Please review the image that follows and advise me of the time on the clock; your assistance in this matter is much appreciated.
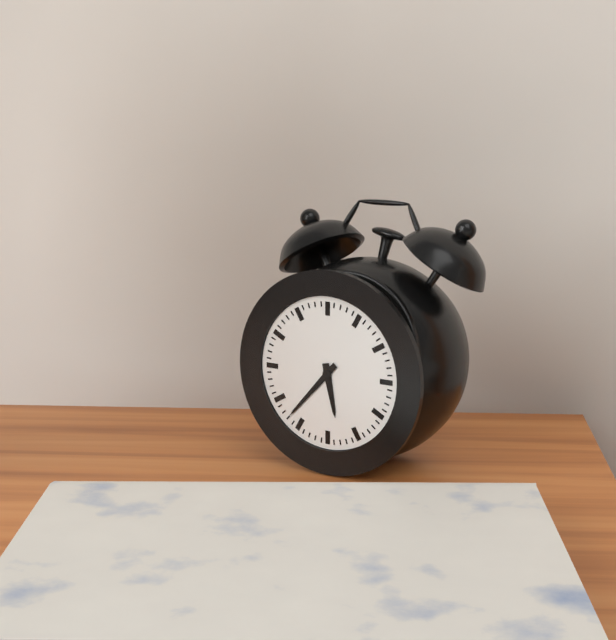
5:37
